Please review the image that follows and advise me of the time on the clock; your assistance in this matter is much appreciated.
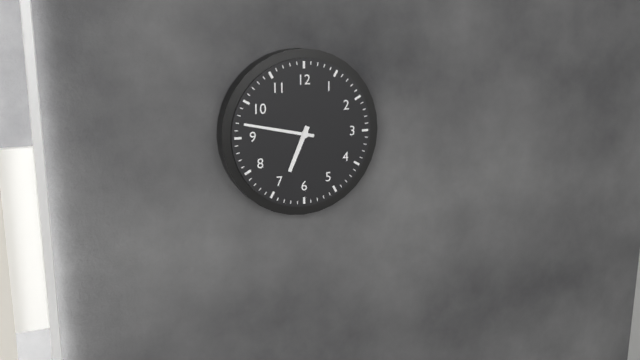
6:47
